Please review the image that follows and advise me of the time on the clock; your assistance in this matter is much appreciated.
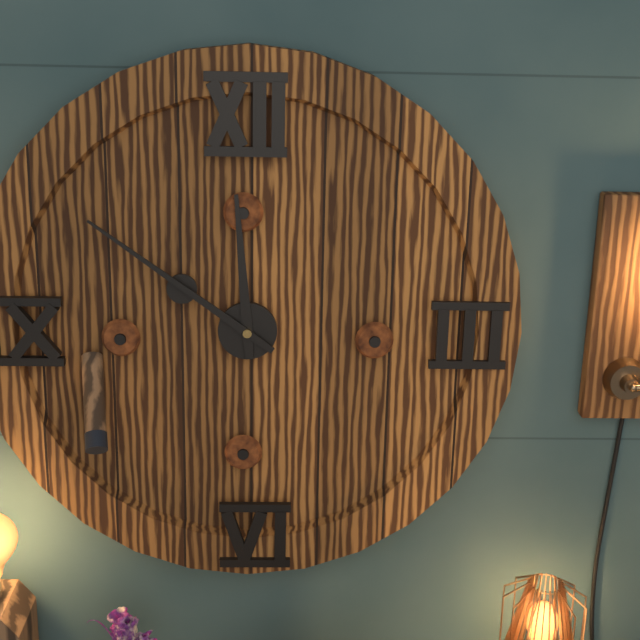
11:51
